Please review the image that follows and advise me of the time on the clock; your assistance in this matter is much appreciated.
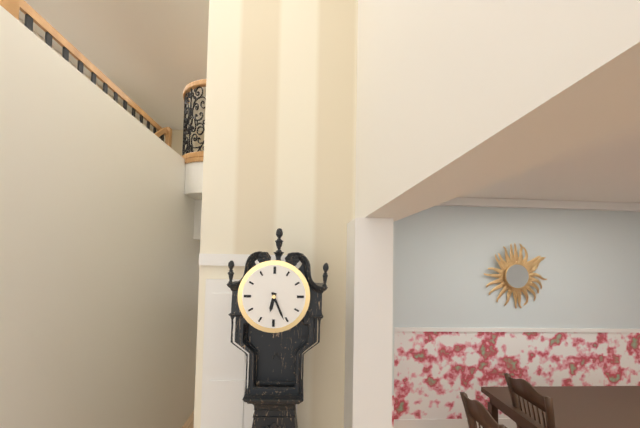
6:26
